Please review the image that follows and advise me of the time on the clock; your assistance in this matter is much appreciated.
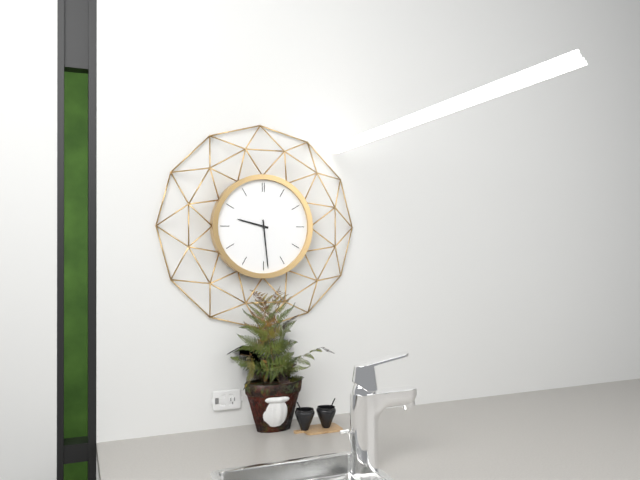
9:29
